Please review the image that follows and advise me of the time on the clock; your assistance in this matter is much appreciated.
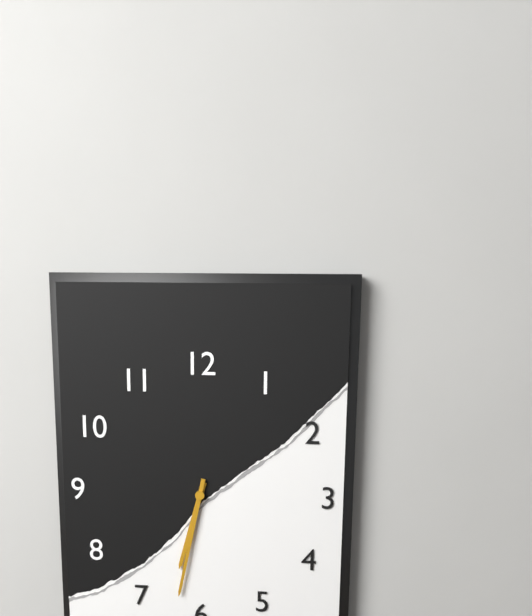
6:32
